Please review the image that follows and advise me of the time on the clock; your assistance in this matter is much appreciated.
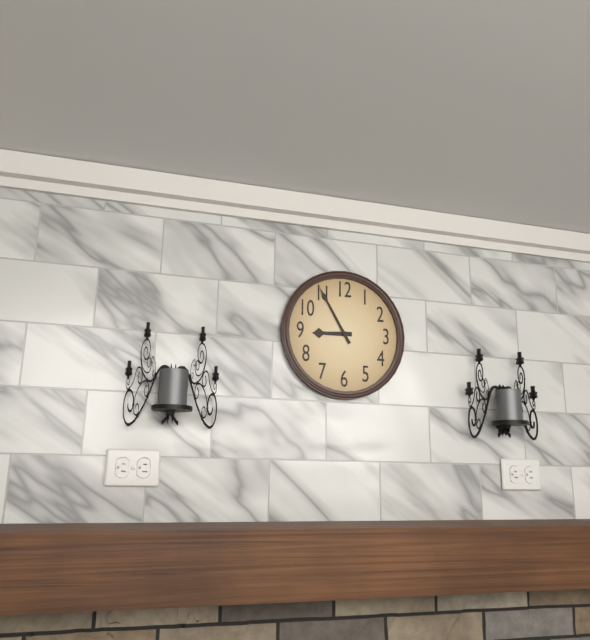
8:55
